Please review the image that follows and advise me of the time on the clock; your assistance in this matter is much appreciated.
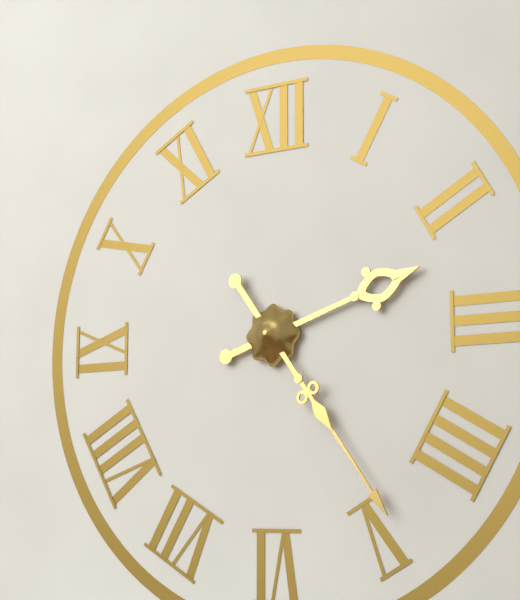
2:24
